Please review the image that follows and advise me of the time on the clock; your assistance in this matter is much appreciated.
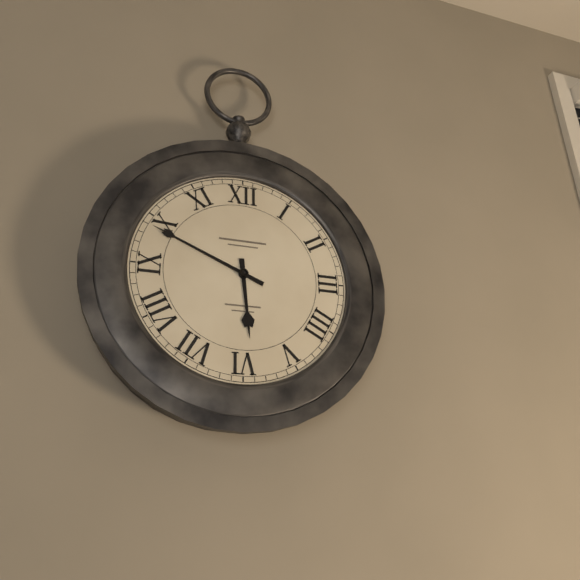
5:49
